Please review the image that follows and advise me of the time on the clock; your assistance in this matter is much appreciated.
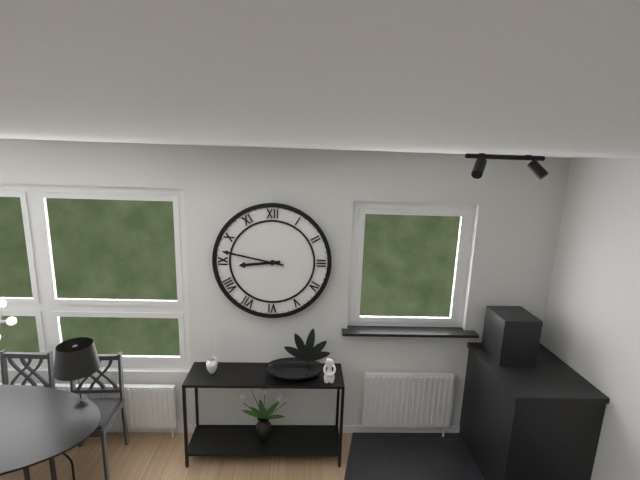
8:47
